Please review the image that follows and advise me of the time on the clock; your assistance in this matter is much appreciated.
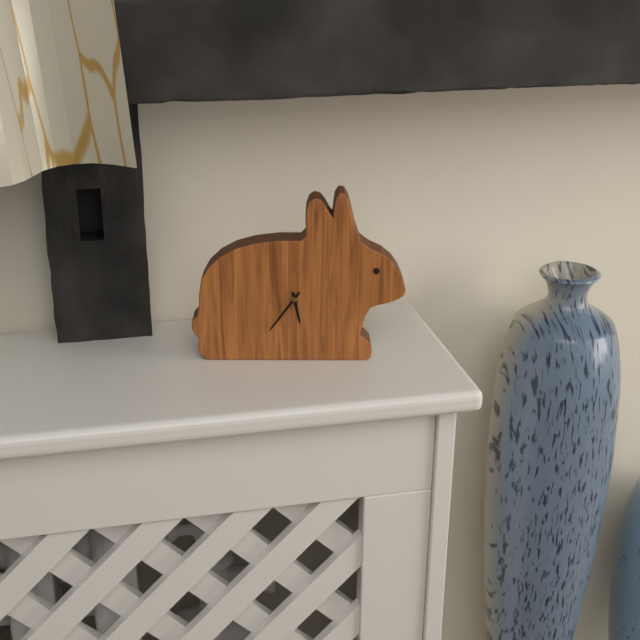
5:36
